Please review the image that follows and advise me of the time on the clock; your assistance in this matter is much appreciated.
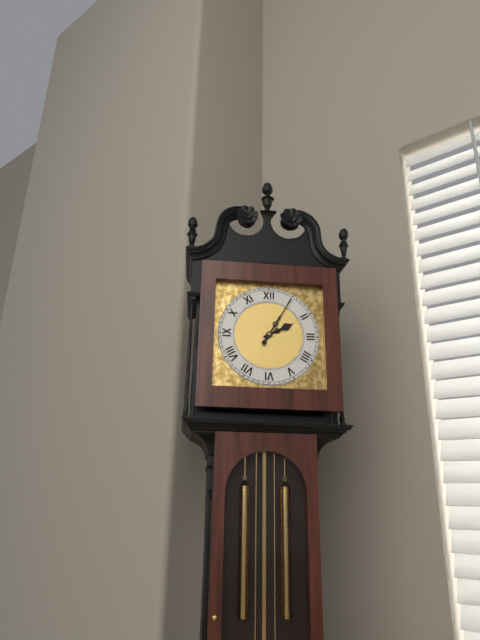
2:05
